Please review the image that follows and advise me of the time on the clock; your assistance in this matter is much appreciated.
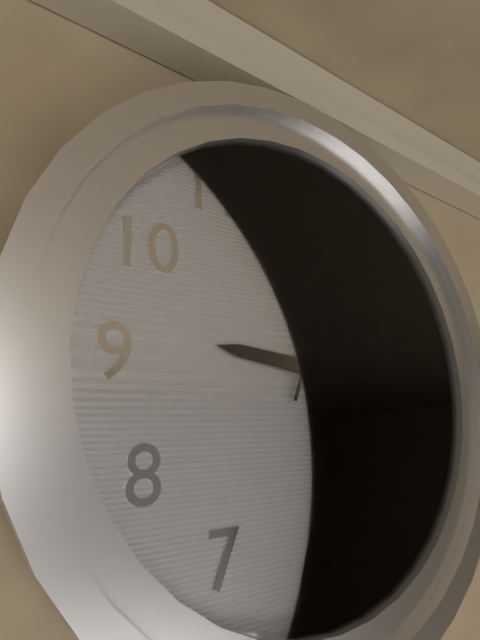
9:16:04
